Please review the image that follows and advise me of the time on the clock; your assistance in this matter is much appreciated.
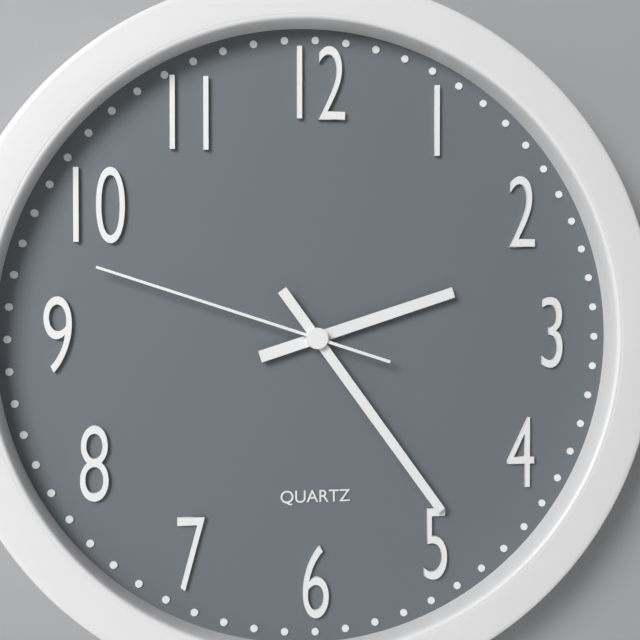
2:24:48
